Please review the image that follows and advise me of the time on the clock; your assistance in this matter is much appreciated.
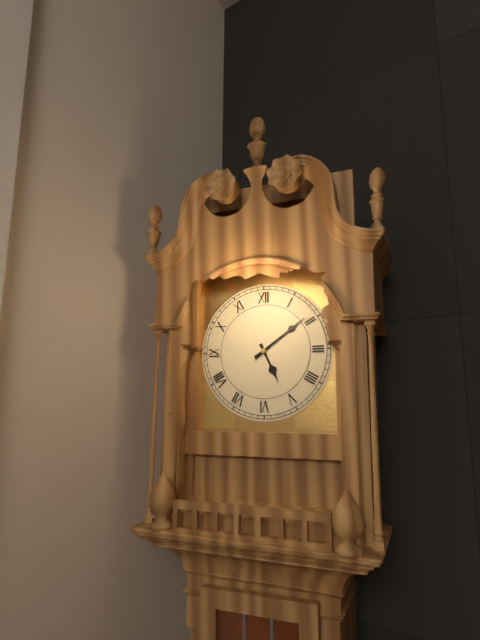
5:09
